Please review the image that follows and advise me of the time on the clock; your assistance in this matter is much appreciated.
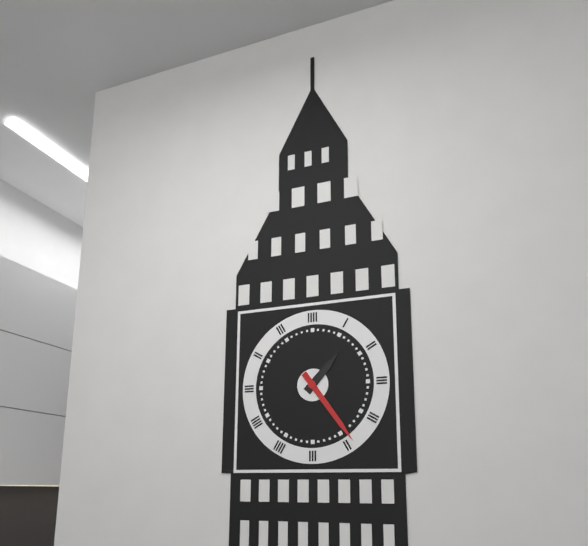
1:24
